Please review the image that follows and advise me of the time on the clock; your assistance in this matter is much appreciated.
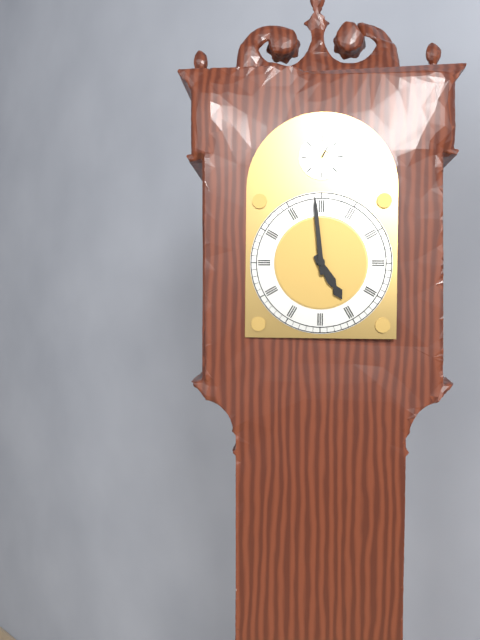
4:59
